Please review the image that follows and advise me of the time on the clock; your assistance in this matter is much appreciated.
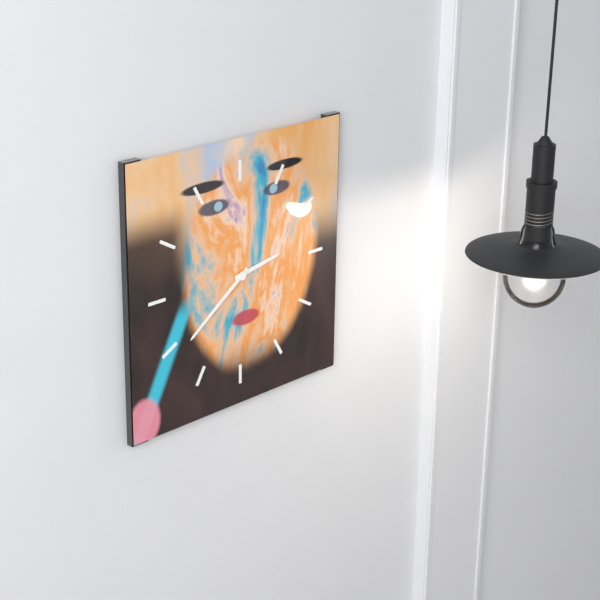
2:39
